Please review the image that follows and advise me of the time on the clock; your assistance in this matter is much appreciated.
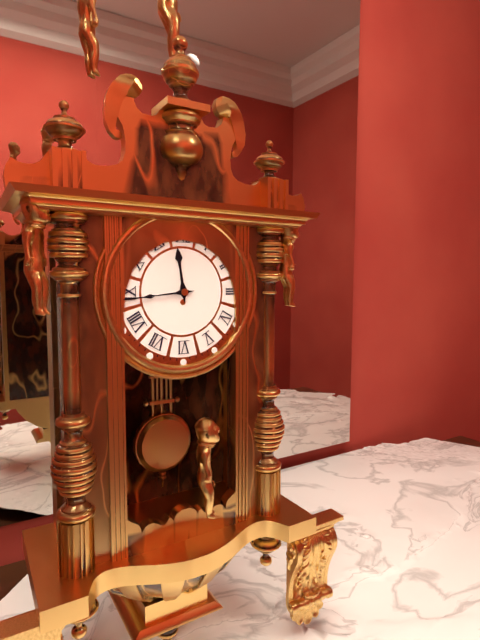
11:44
